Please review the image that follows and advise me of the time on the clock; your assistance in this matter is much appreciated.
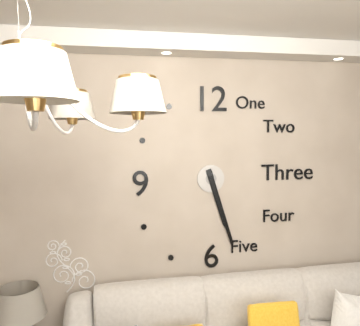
5:27
